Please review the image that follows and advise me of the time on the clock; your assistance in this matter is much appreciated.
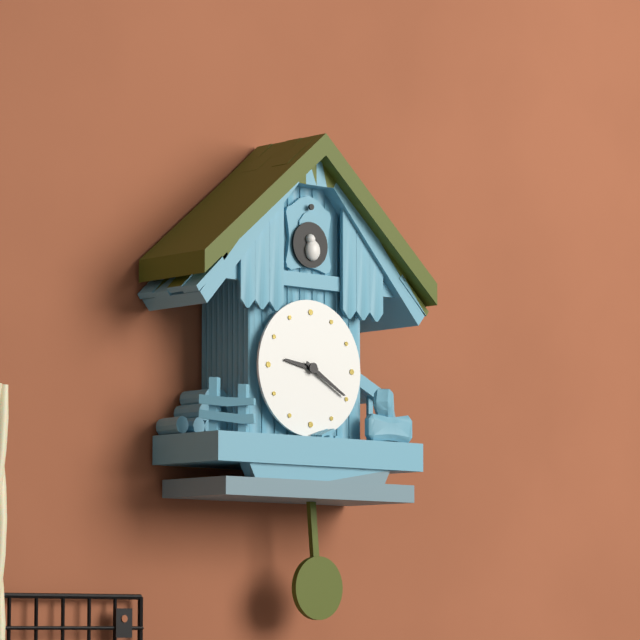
9:20
